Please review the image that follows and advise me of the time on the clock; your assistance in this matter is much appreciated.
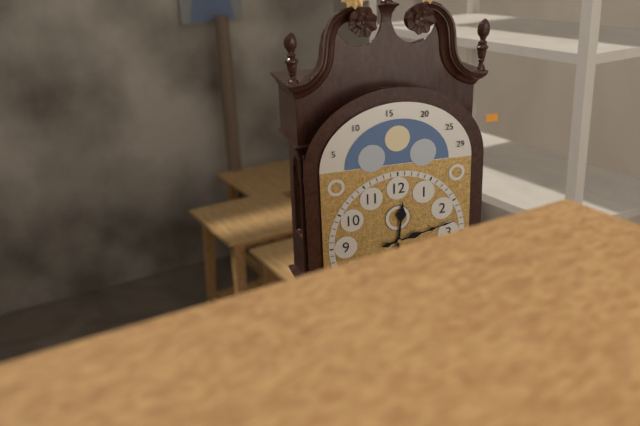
12:13
